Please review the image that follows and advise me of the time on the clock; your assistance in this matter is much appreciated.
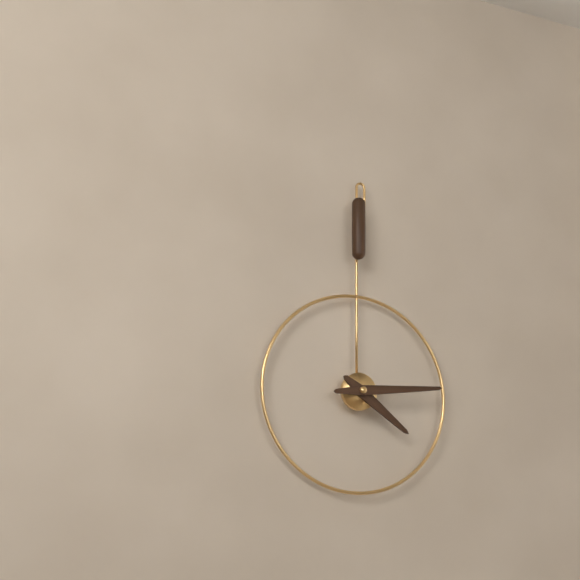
4:14
